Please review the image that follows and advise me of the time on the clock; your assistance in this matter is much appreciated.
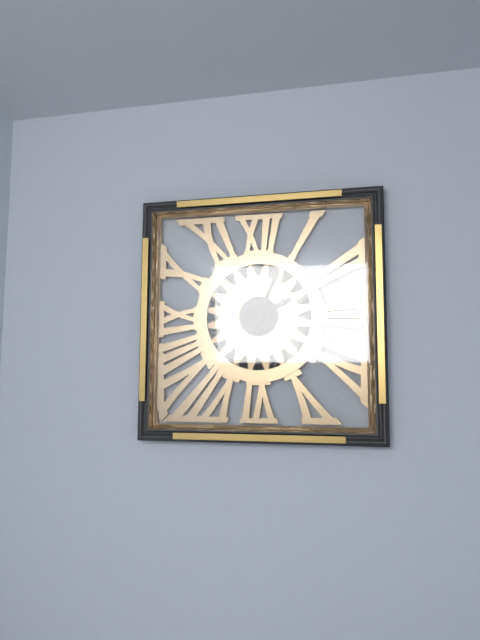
2:04
